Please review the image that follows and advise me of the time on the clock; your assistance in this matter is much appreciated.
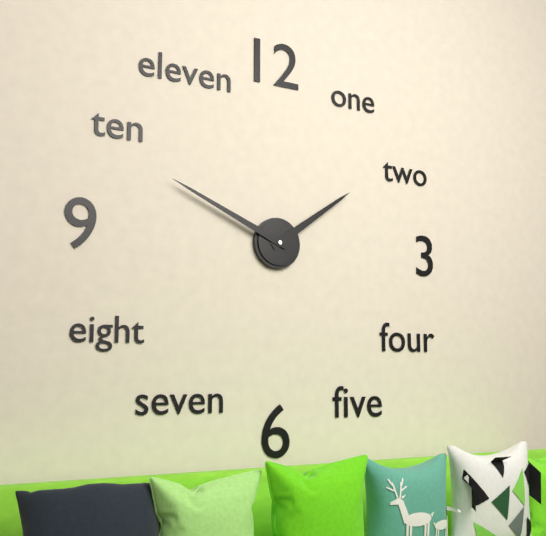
1:49
